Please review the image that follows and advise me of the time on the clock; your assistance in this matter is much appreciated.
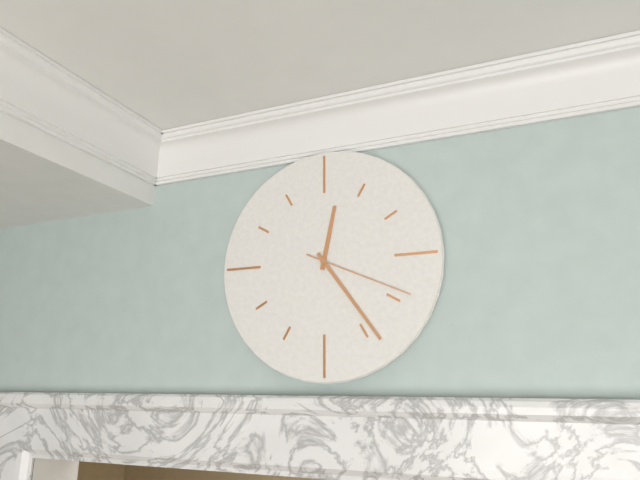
12:24:19
